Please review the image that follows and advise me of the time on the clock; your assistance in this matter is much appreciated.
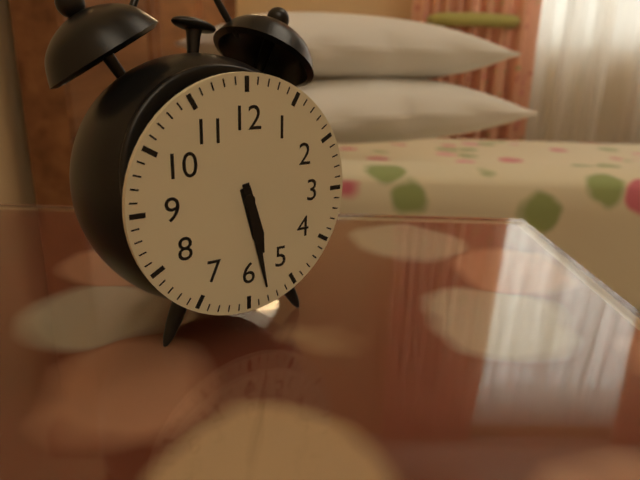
5:28
